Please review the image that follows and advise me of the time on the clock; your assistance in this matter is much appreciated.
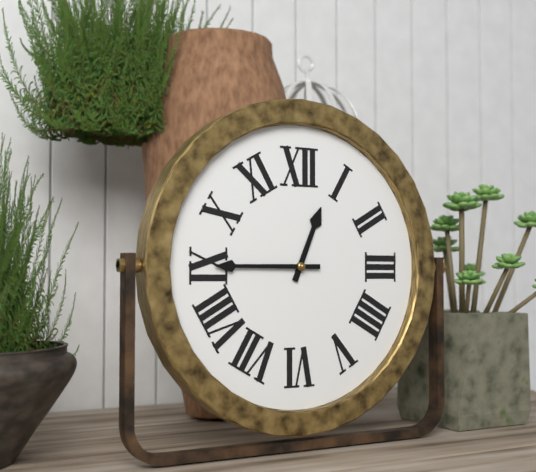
12:45
